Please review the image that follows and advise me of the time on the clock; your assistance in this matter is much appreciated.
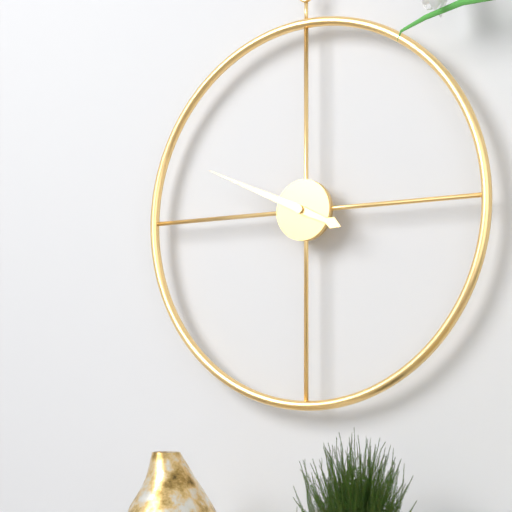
9:49
